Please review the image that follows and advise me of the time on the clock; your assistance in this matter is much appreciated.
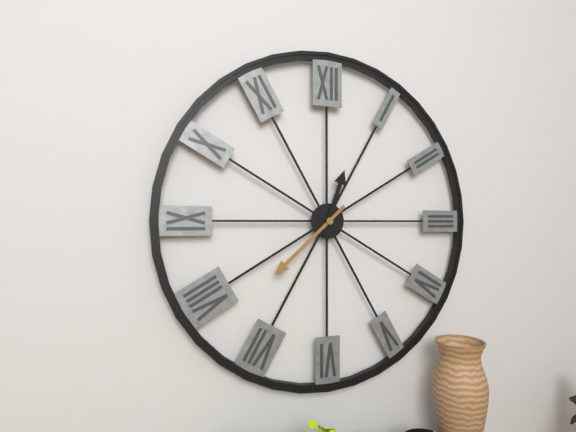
12:38
